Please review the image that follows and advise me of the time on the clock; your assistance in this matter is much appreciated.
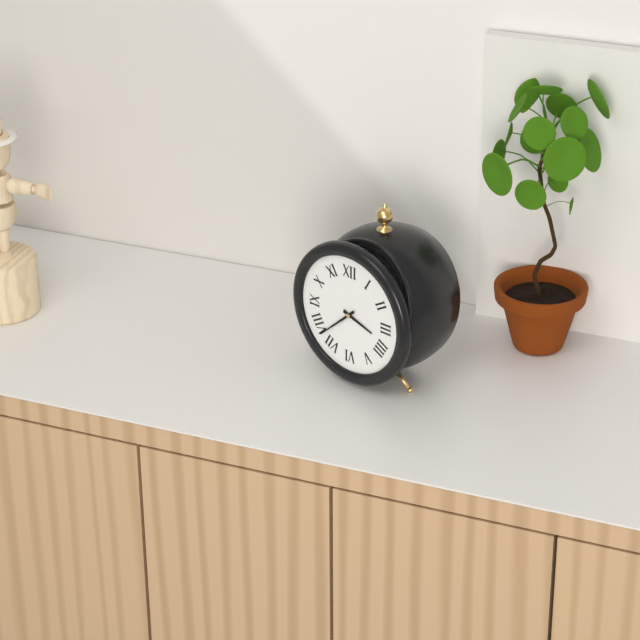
3:38
